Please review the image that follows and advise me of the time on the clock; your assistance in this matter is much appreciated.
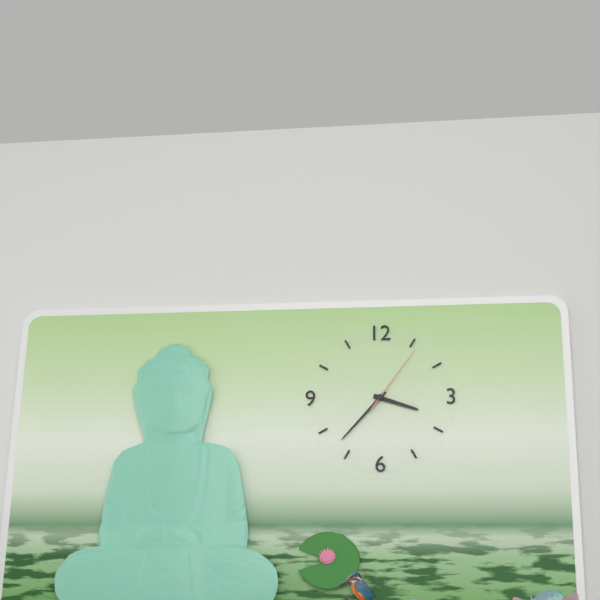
3:37:06
